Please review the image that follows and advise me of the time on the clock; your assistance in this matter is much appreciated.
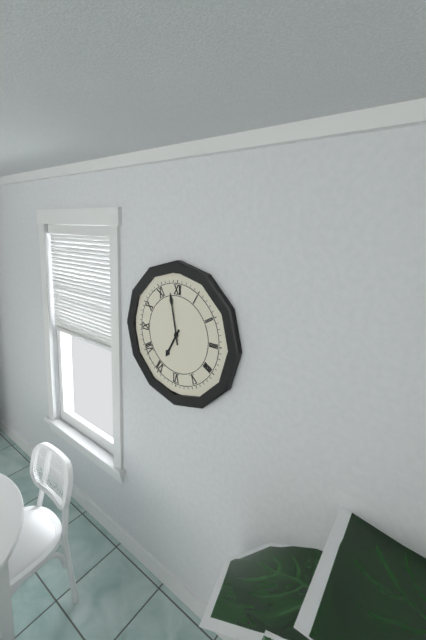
6:58
